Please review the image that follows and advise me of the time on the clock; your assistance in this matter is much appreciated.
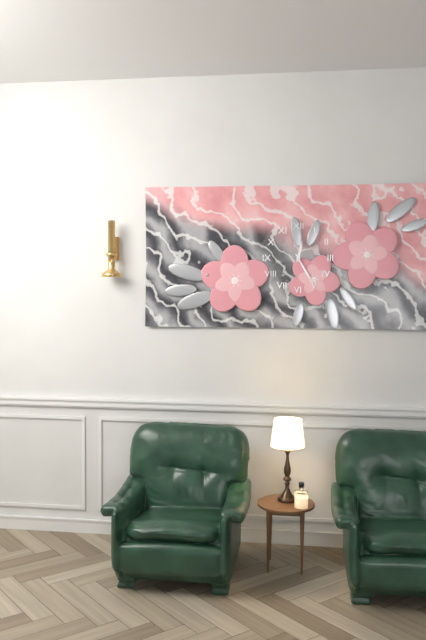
12:25
